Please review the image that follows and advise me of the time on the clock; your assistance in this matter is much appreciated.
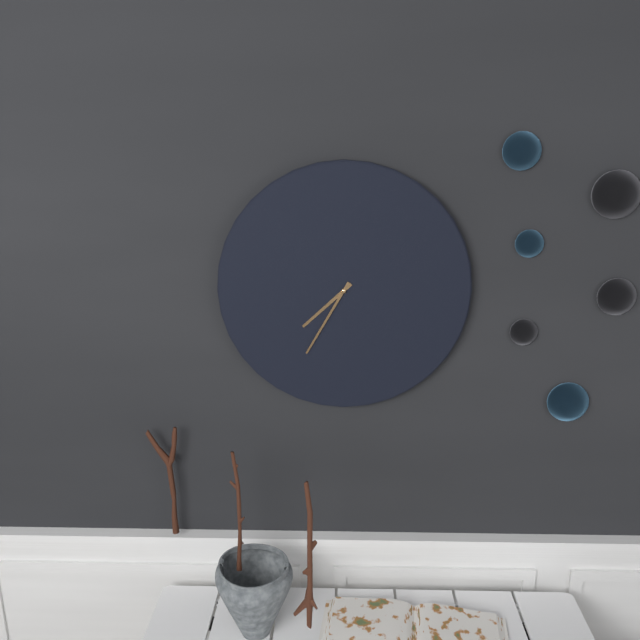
7:35
